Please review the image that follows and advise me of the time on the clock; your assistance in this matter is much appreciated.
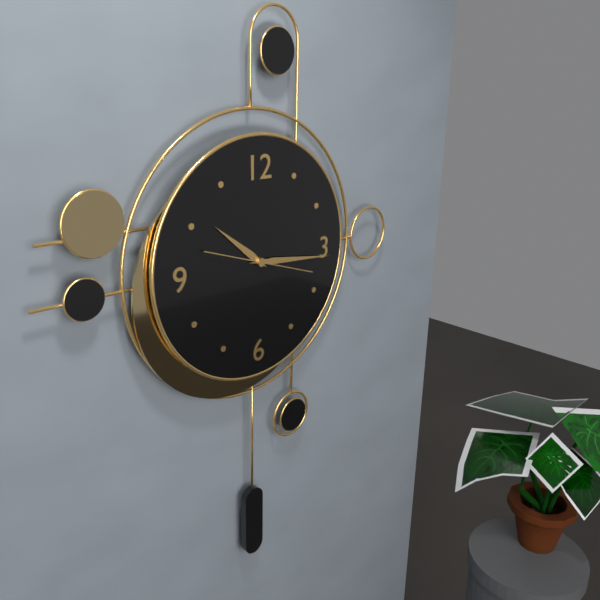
10:16:18
